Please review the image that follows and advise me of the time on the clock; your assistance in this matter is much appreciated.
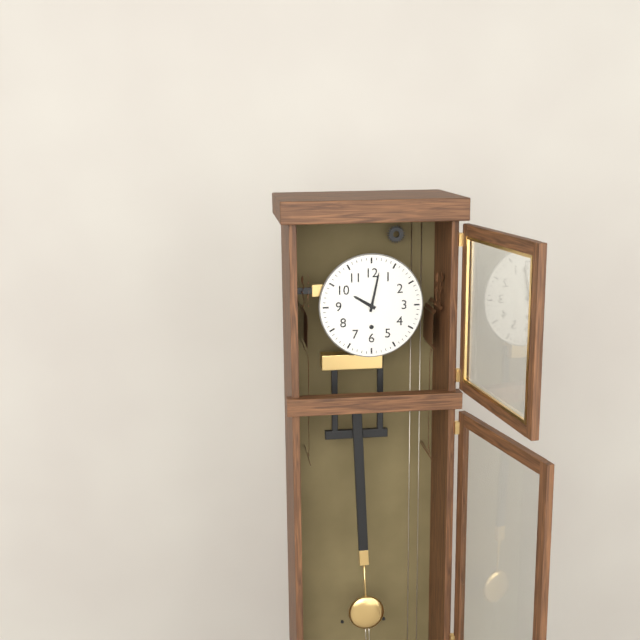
10:02
